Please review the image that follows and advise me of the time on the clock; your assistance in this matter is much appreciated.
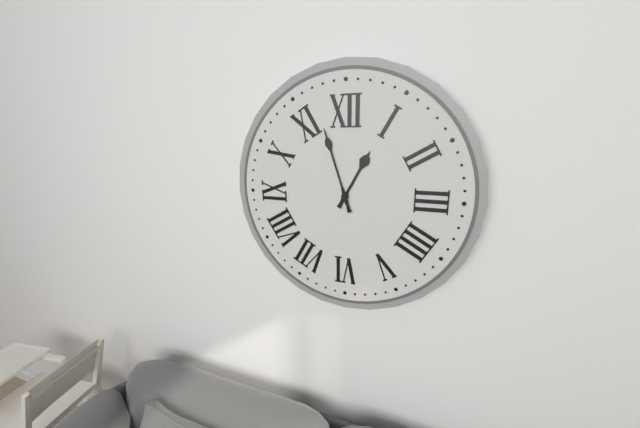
12:57
